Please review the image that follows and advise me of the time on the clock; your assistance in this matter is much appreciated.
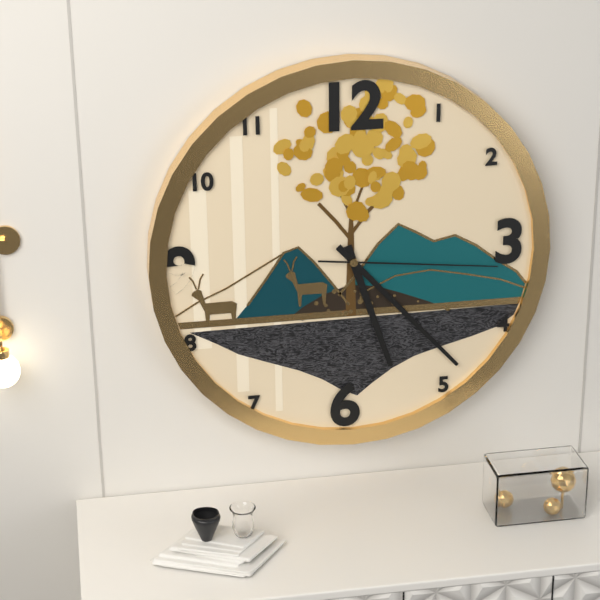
5:23:16
